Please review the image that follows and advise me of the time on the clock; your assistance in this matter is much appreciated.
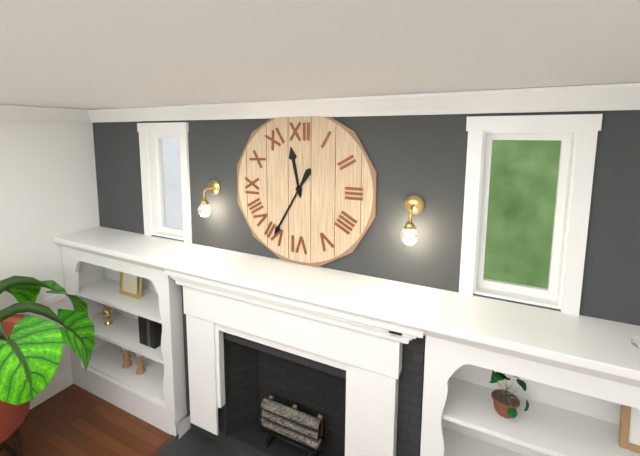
11:35
